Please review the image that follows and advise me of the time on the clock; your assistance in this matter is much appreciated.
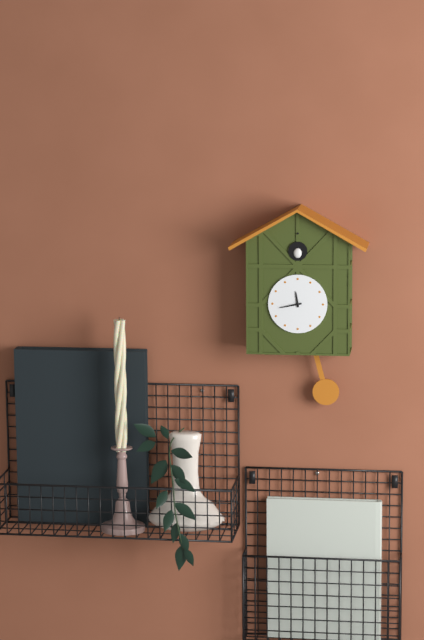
11:43
